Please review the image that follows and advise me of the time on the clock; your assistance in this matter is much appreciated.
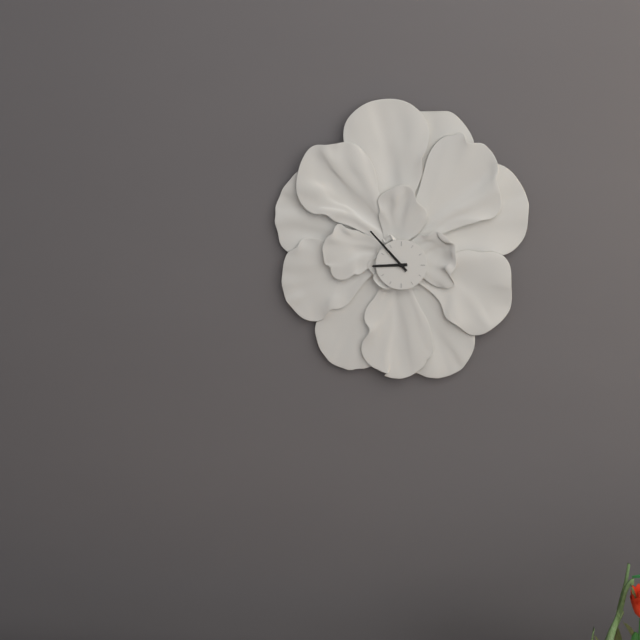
8:53
